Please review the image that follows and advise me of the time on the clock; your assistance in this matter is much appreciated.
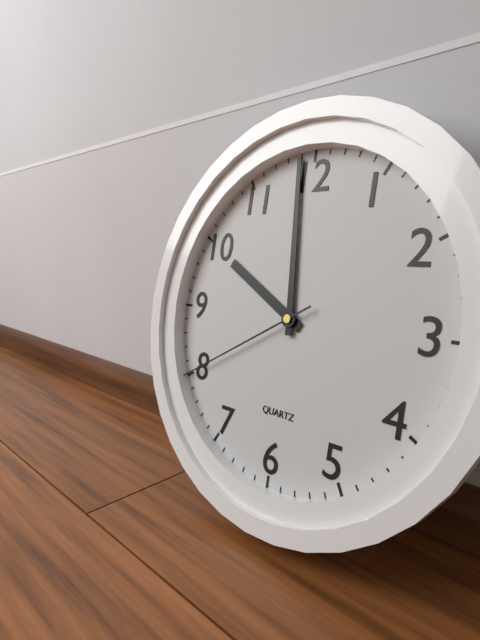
9:59:40
